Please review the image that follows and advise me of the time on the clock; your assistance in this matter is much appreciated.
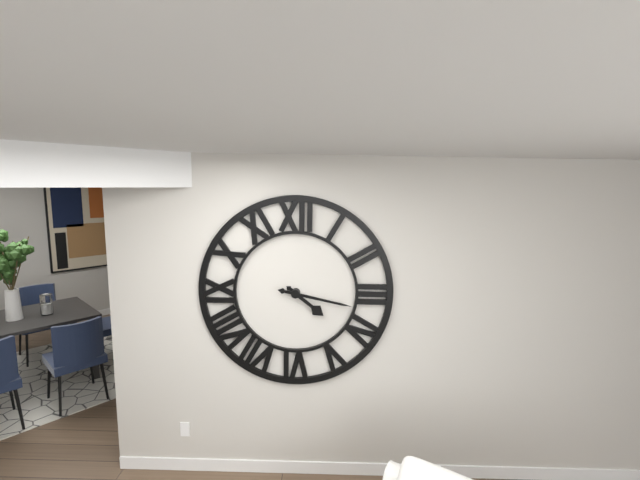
4:17
